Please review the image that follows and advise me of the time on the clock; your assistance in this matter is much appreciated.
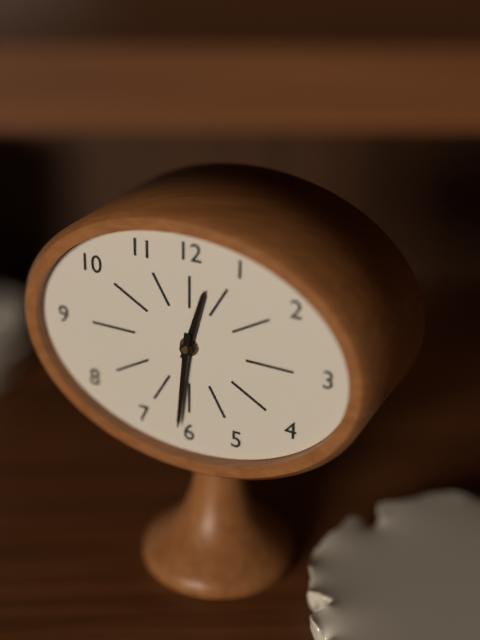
12:31
